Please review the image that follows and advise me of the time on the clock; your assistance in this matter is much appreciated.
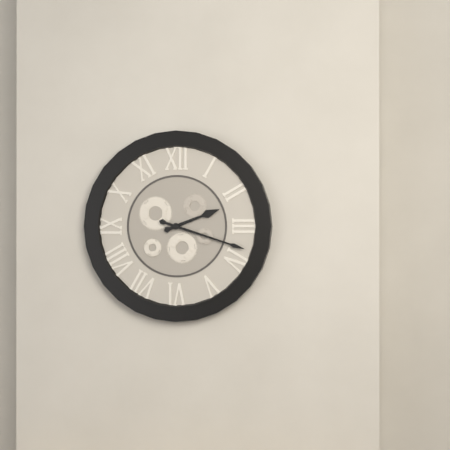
2:18
